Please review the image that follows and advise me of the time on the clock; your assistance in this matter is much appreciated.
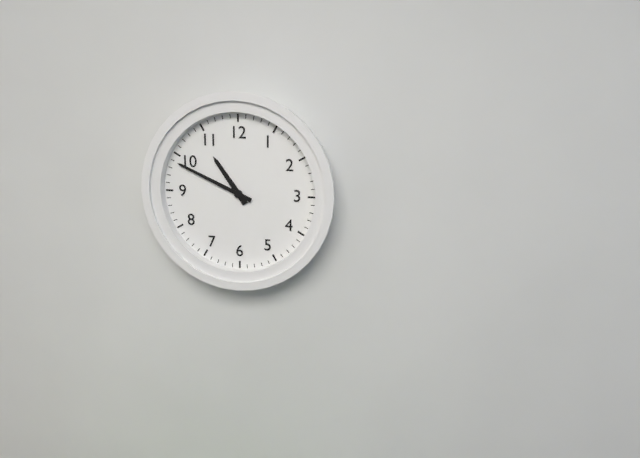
10:49
